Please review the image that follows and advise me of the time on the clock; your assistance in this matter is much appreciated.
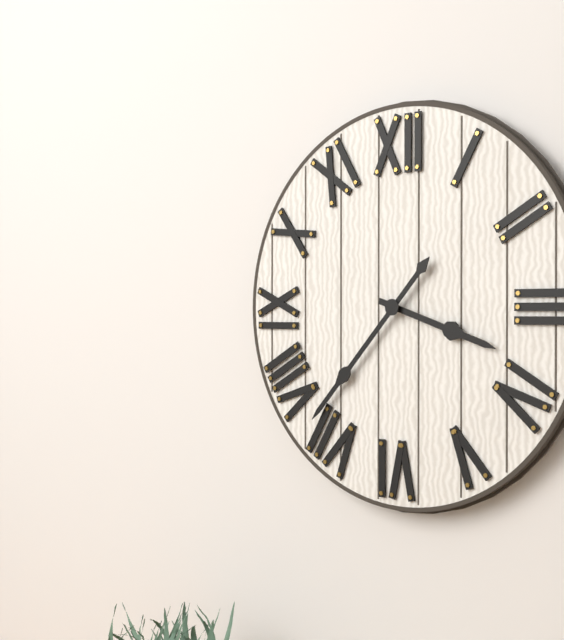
3:37
